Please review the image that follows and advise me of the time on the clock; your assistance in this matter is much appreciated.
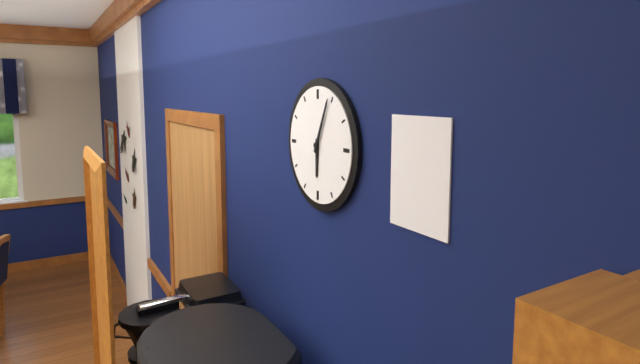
6:04
